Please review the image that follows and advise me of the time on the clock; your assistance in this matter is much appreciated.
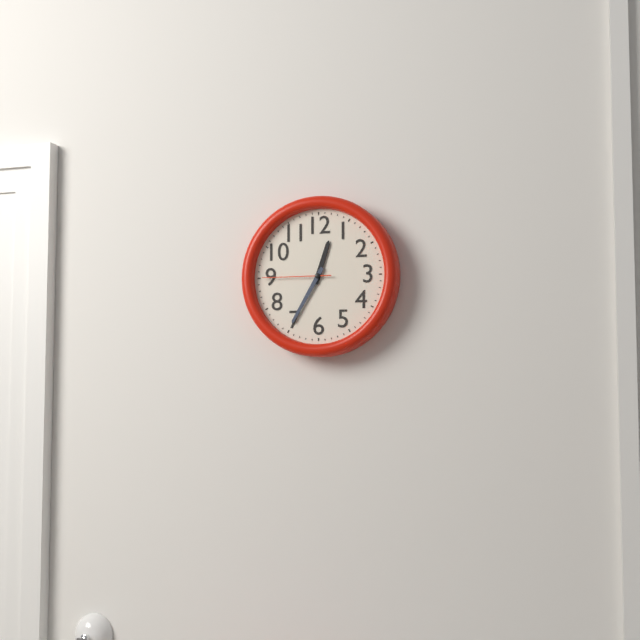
12:35:45
